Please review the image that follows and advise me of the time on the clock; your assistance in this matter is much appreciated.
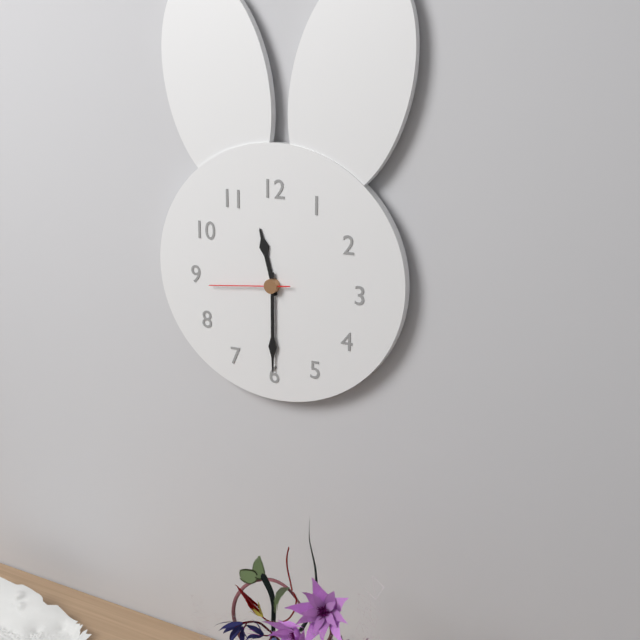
11:30:44
